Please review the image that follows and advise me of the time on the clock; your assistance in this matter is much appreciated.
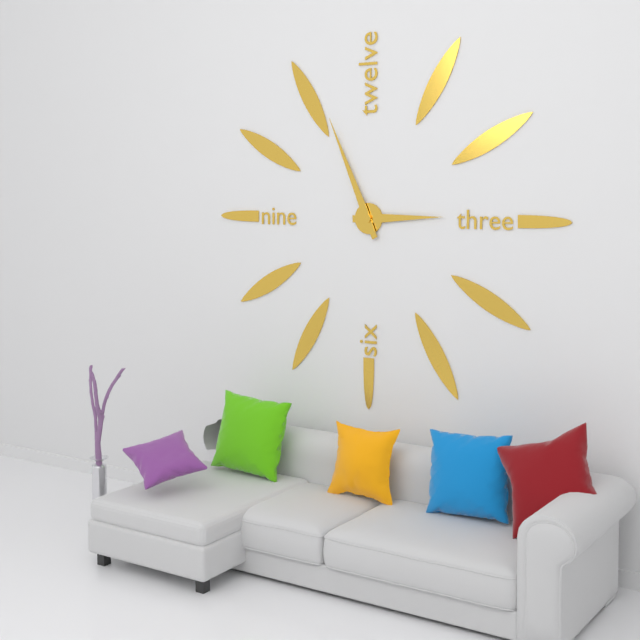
2:56
